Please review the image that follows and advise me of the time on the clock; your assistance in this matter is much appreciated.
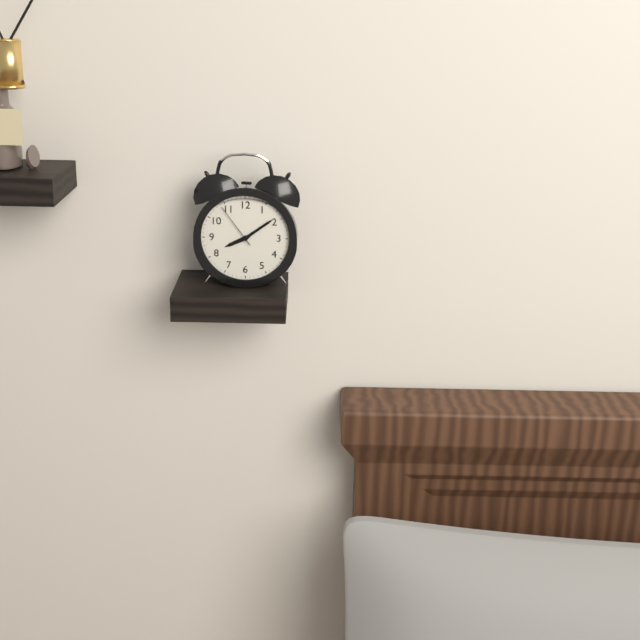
8:09
